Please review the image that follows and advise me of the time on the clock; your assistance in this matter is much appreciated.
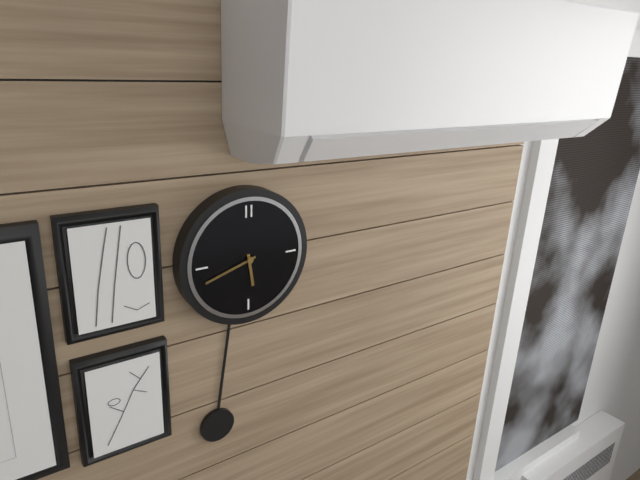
5:42
